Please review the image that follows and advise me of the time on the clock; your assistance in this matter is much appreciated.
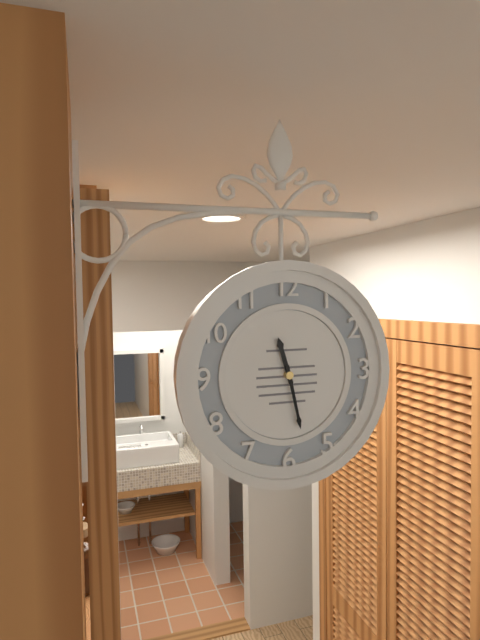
11:28
